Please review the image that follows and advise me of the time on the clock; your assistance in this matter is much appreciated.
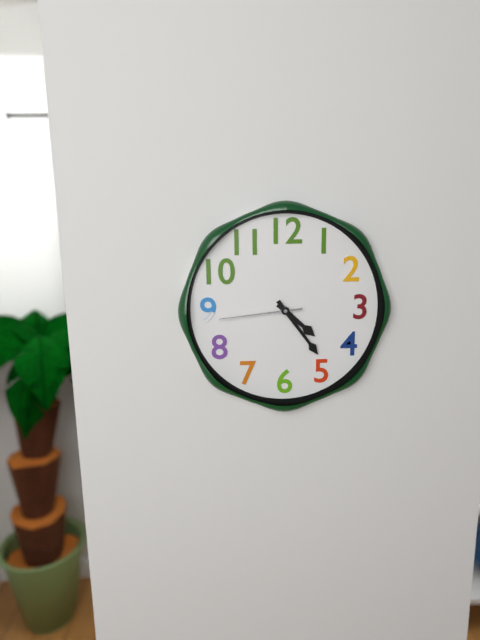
4:24:44
